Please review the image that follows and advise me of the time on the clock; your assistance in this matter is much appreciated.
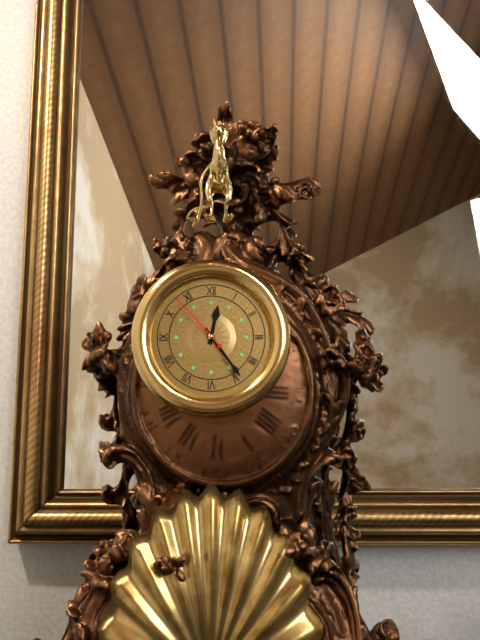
12:24:53
